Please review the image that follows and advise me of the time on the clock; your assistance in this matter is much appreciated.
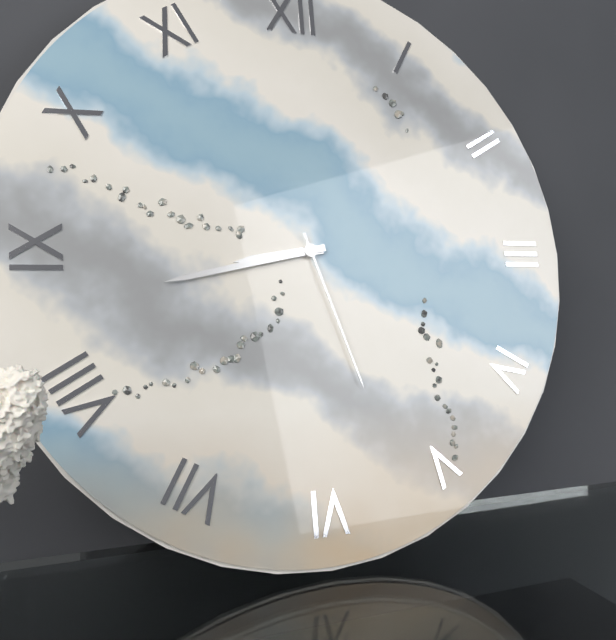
8:43:27
